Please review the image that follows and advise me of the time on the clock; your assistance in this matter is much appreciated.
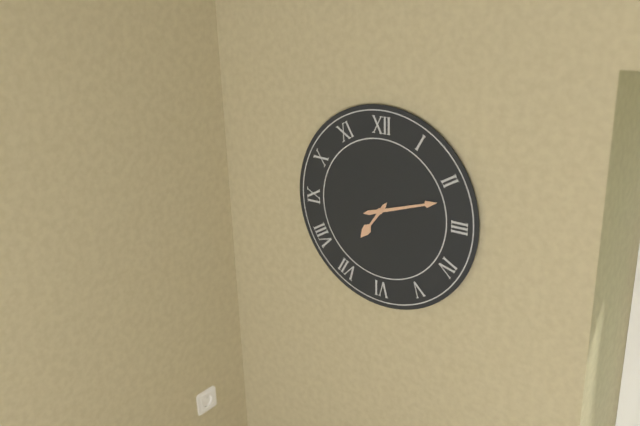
7:12
